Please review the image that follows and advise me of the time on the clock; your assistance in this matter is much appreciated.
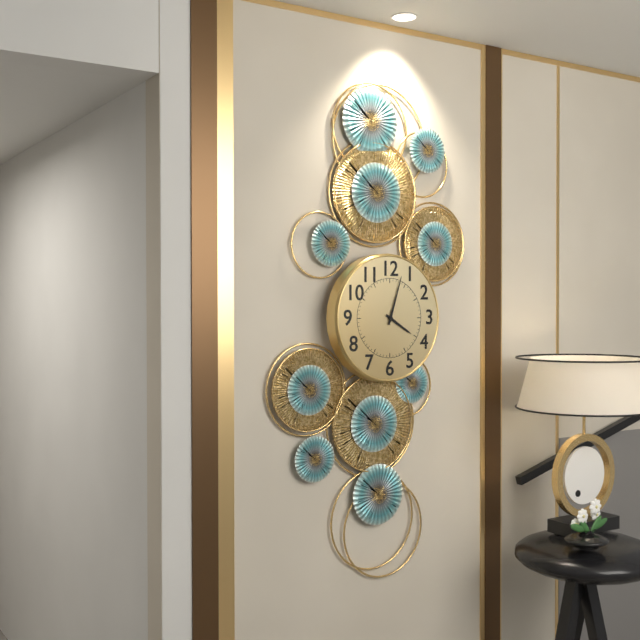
4:03
